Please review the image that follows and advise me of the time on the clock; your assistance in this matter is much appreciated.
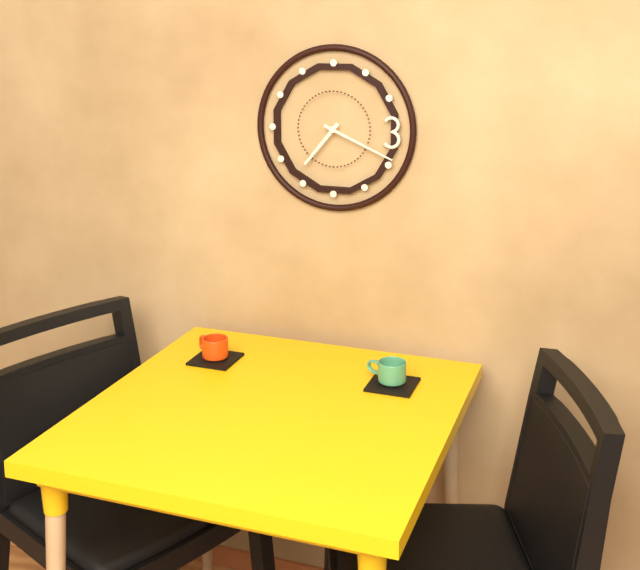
7:19
